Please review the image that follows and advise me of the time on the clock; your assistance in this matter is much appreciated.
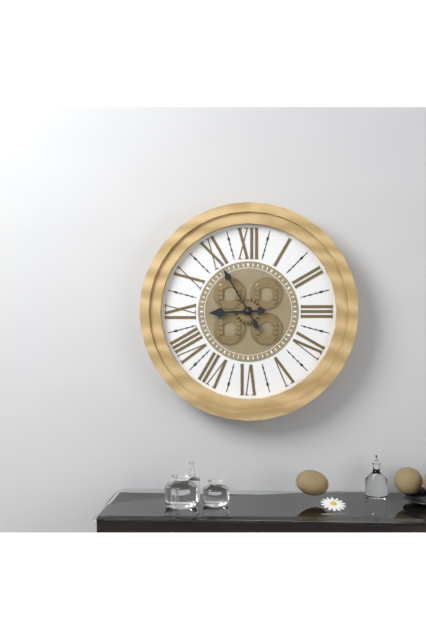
8:55
